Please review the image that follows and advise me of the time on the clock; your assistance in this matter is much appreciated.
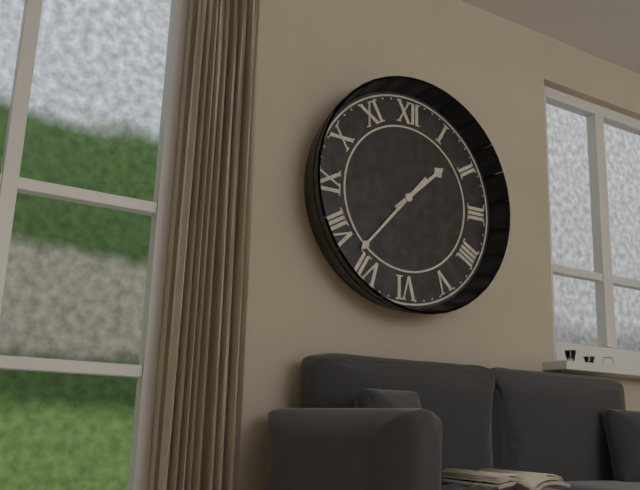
1:37
